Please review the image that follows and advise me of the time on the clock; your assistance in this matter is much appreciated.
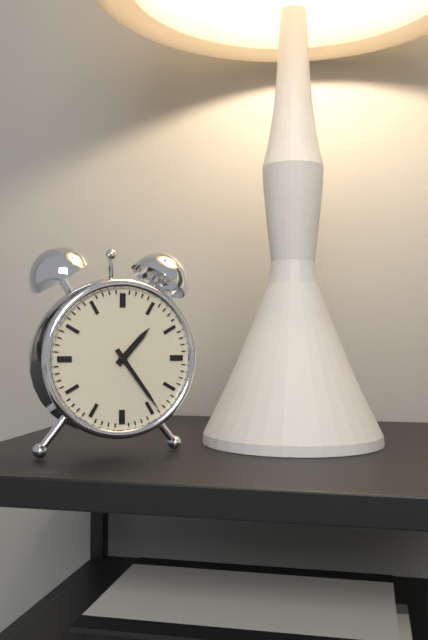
1:24
